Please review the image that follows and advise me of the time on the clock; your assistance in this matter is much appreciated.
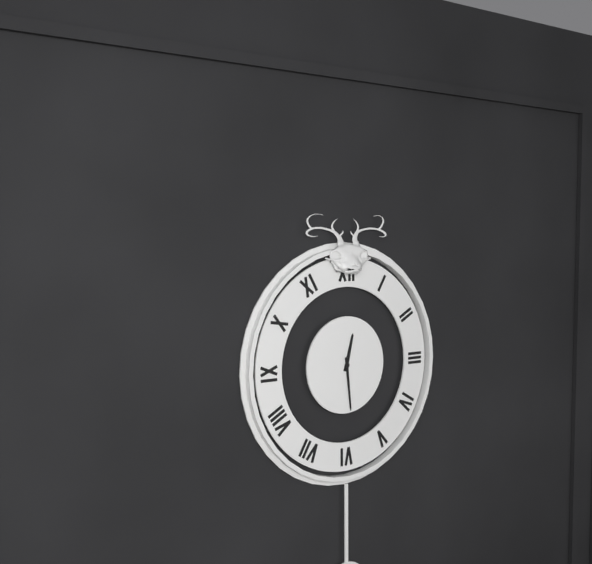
12:29
